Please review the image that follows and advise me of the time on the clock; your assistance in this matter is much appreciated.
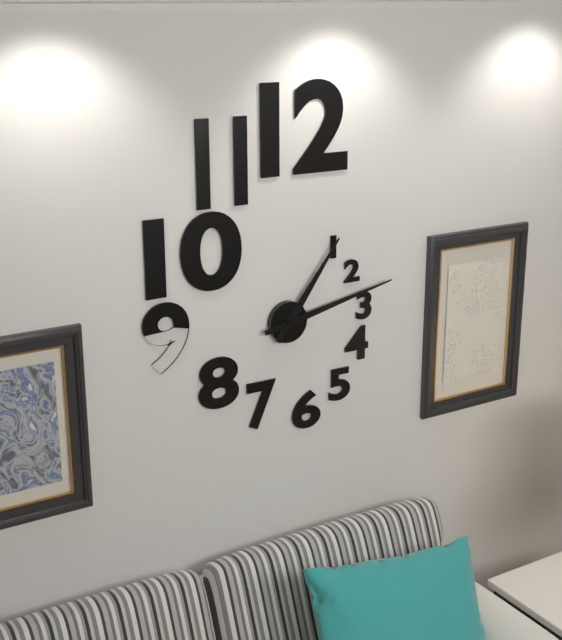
1:13
